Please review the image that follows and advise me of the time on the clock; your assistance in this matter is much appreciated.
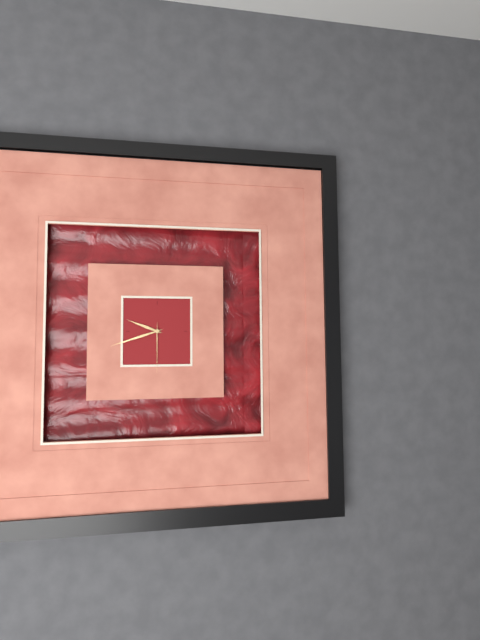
9:42:30
